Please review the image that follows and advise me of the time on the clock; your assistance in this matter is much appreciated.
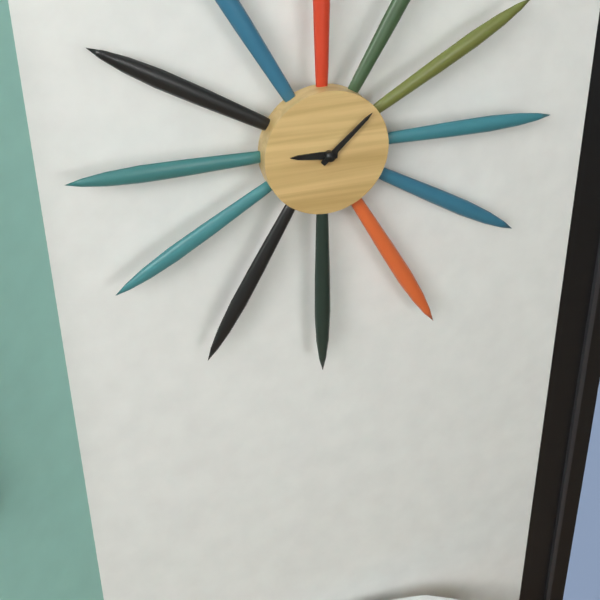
9:08
